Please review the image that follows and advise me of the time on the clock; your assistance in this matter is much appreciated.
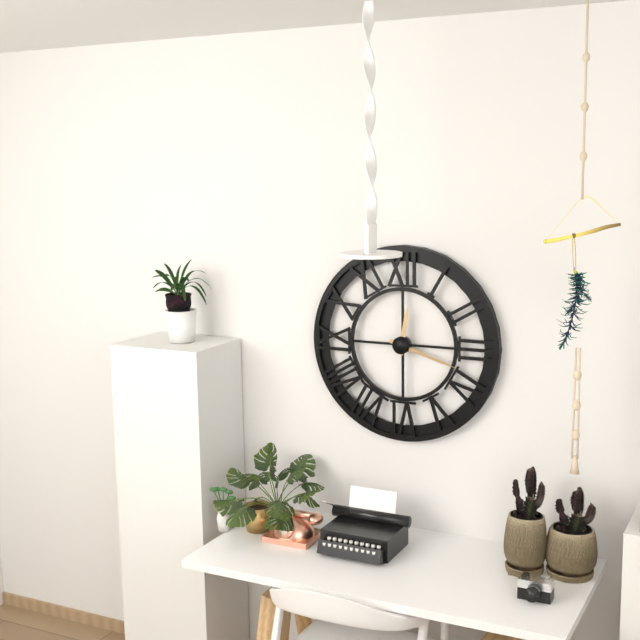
12:18
